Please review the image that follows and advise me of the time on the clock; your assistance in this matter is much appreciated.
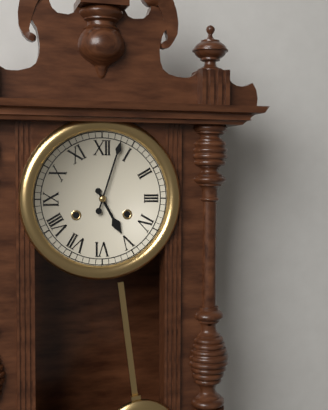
5:03
